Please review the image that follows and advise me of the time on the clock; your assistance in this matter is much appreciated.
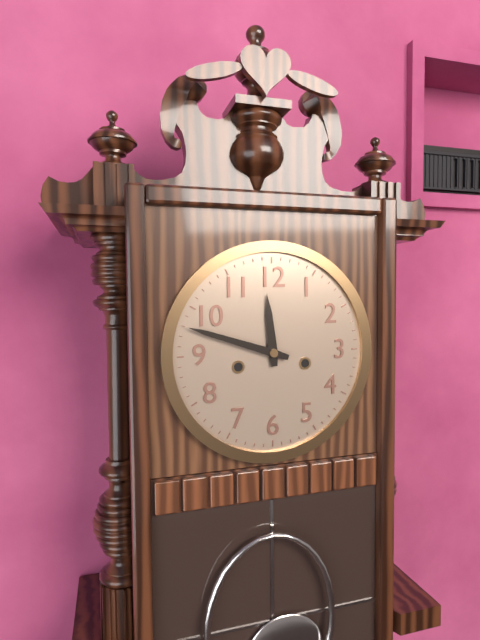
11:48
